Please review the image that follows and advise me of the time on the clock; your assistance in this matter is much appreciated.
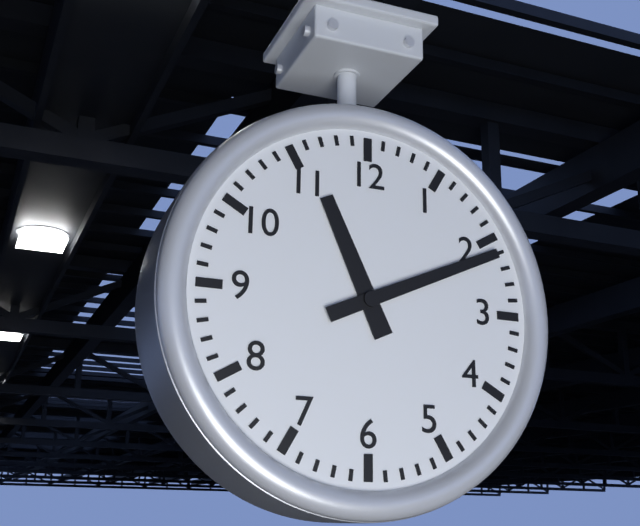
11:11
